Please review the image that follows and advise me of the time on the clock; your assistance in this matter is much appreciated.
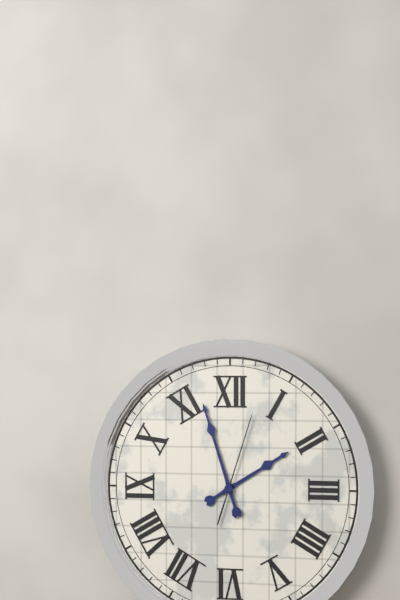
1:57:03
